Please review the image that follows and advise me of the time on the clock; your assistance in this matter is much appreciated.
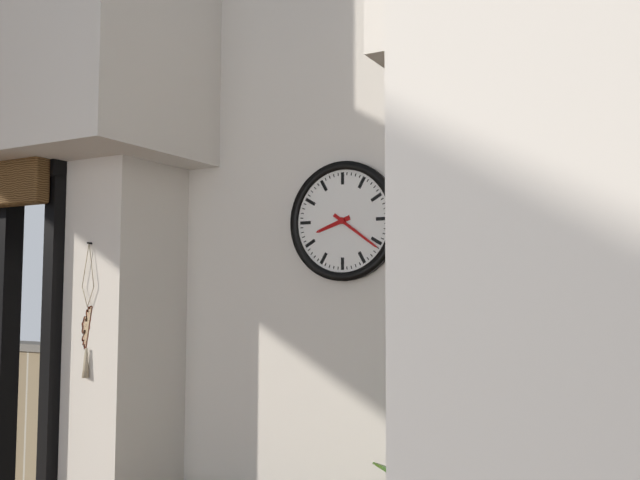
8:21
